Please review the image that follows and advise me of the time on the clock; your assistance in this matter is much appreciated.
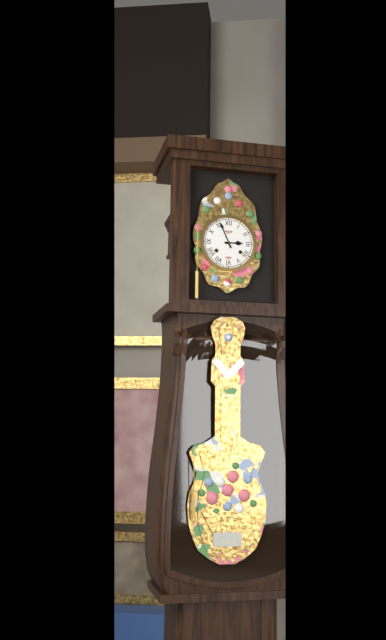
2:56
